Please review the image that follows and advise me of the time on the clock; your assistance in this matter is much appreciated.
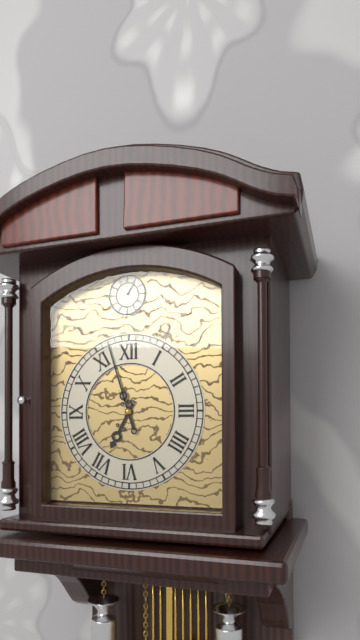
6:57
